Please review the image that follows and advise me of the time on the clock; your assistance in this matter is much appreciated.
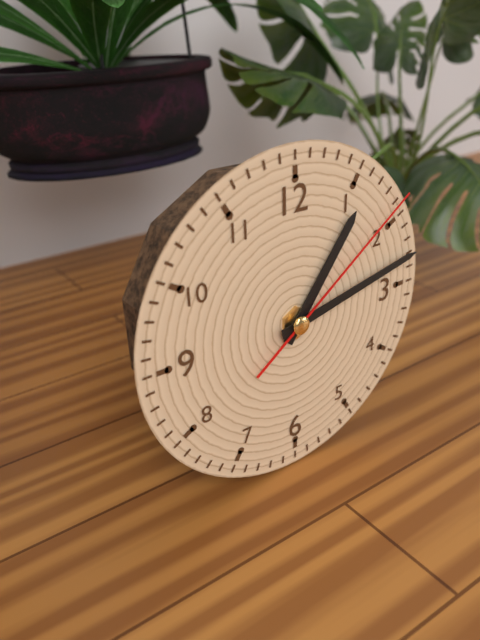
1:13:09
